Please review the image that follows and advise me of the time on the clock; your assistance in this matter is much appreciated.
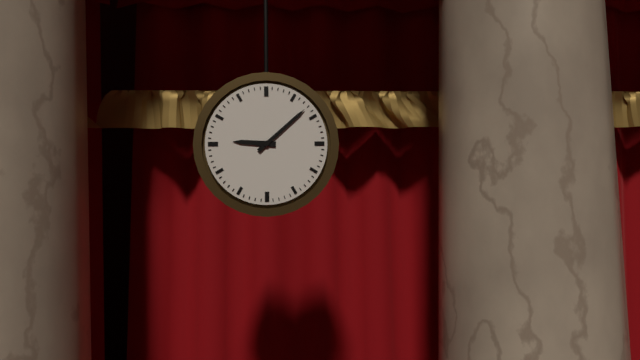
9:08
